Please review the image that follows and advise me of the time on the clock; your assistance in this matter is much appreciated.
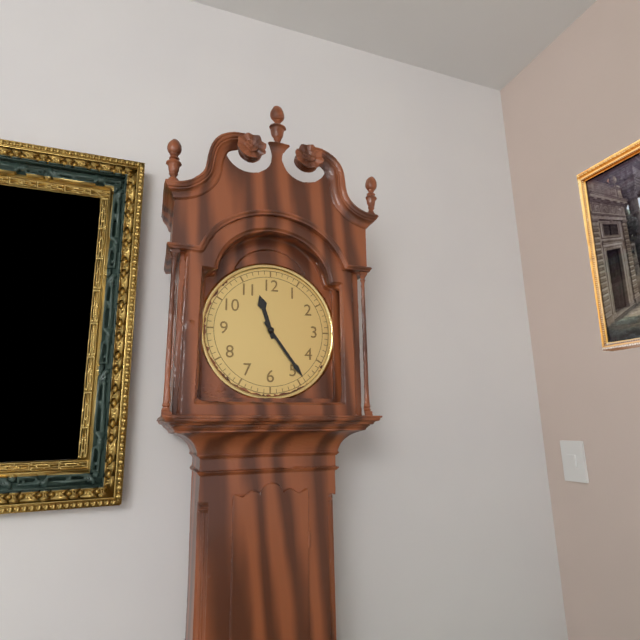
11:24
